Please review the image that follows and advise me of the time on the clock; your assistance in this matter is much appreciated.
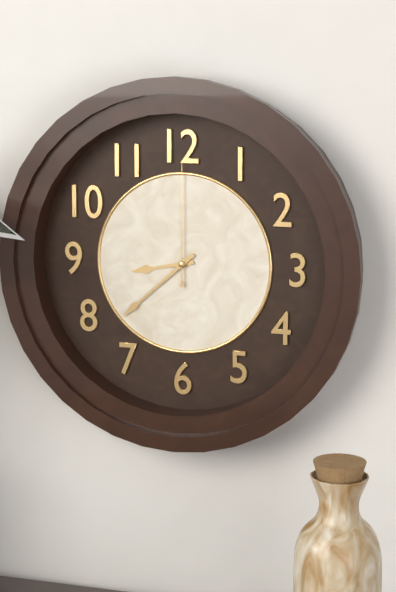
8:38:00
